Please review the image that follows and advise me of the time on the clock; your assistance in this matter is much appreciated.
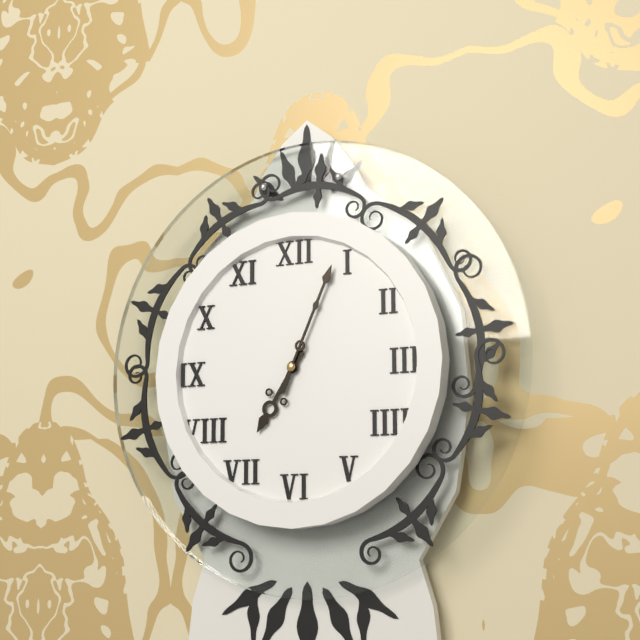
7:04
